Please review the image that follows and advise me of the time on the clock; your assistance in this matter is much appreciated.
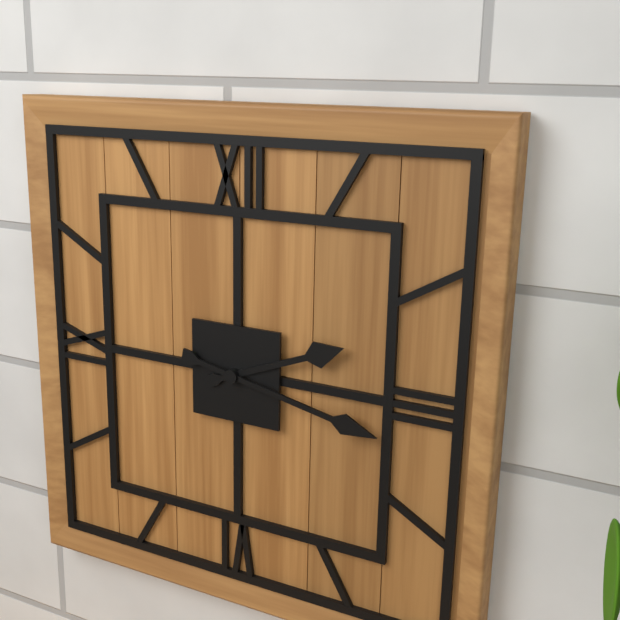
2:17
